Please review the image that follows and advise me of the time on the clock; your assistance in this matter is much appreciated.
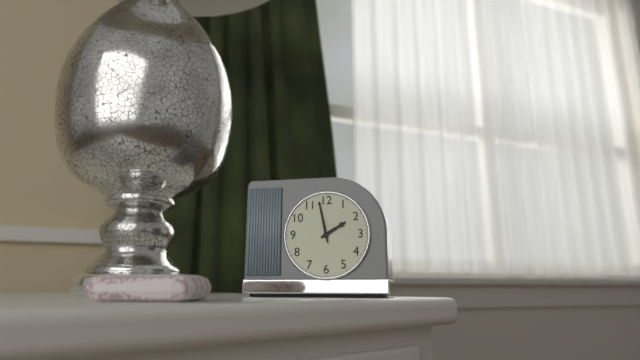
1:58
